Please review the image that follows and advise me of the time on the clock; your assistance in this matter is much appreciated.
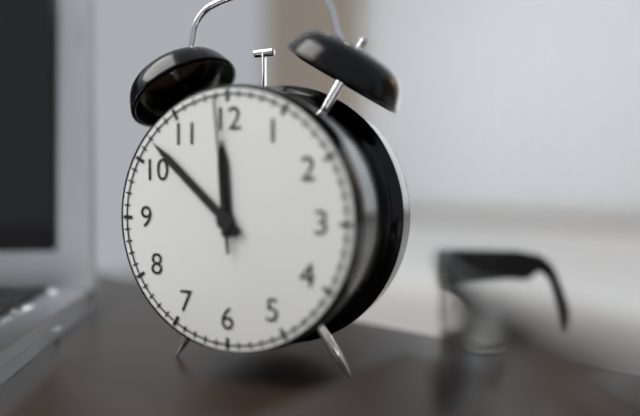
11:52:59
